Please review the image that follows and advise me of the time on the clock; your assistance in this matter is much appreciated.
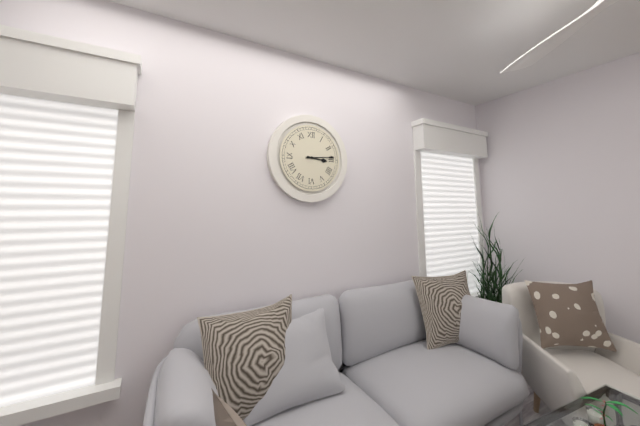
3:14
